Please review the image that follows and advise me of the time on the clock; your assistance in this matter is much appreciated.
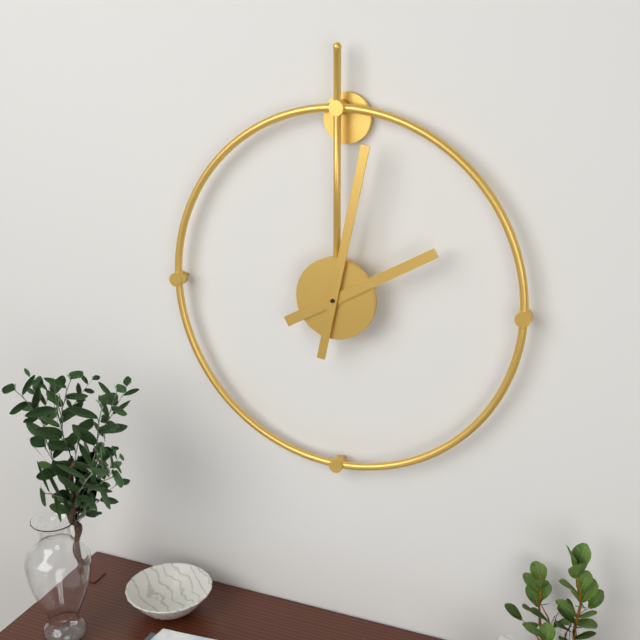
2:02
